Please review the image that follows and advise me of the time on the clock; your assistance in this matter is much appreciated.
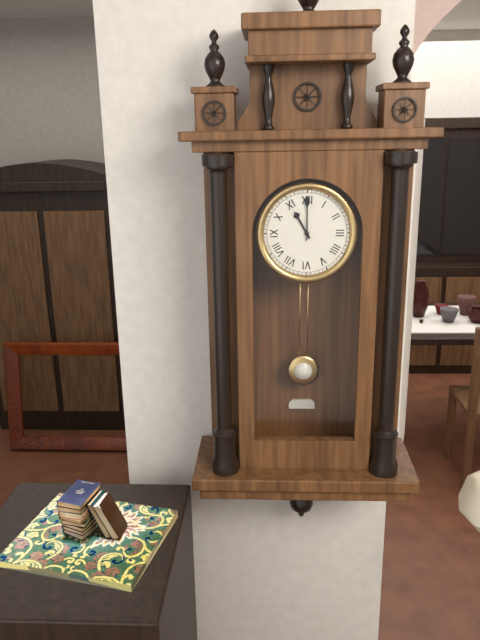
11:00
